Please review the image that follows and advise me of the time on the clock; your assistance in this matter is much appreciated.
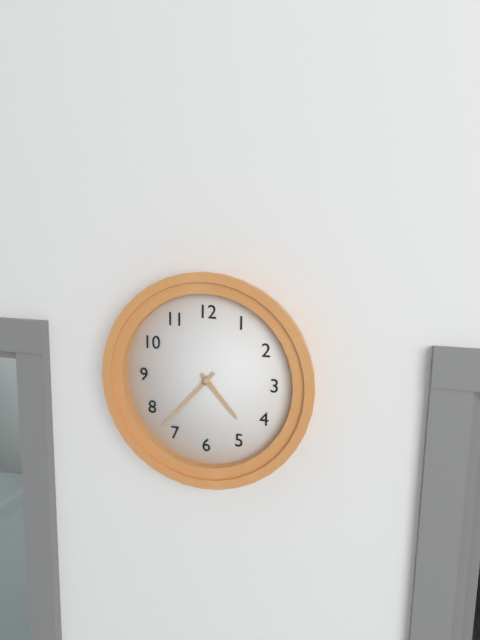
4:37
